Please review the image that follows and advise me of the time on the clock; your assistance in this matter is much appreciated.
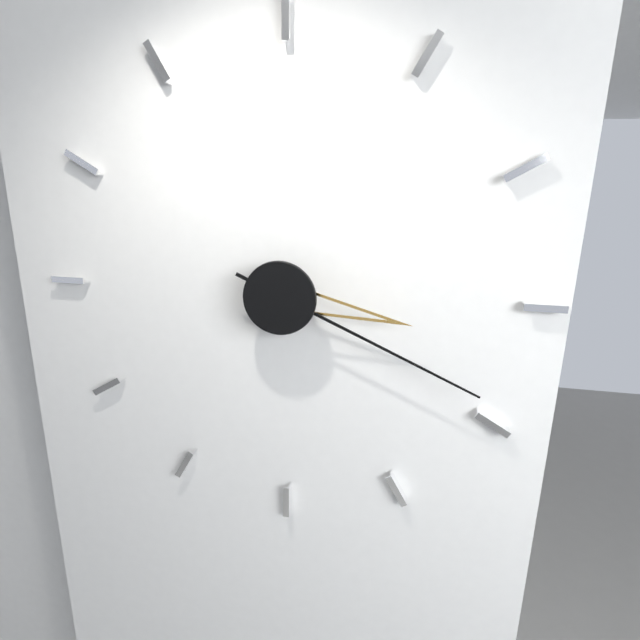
3:19
